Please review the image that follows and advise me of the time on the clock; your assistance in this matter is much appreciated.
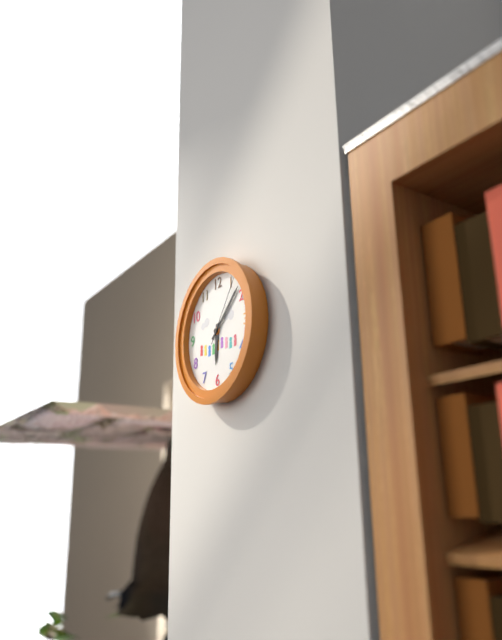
6:08:06
